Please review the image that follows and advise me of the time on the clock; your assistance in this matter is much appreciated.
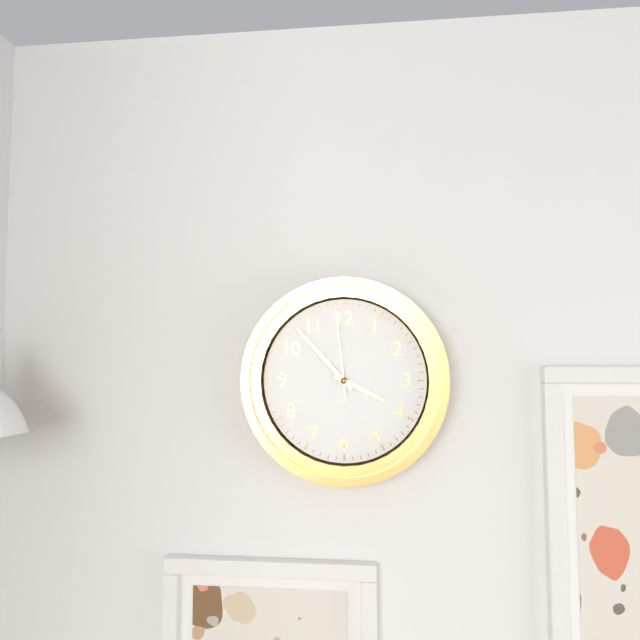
3:53:59
